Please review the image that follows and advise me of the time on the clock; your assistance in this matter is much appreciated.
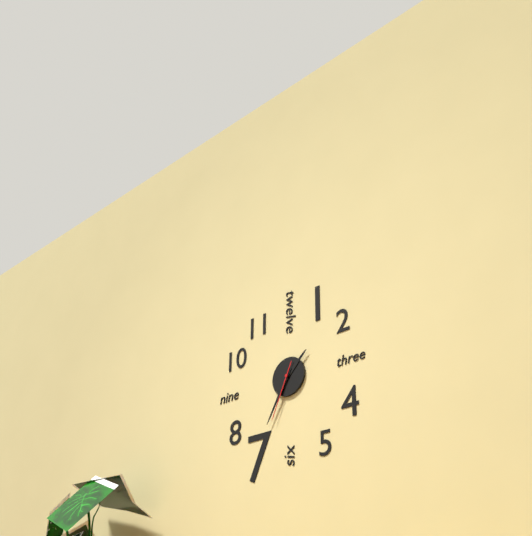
1:35:34
